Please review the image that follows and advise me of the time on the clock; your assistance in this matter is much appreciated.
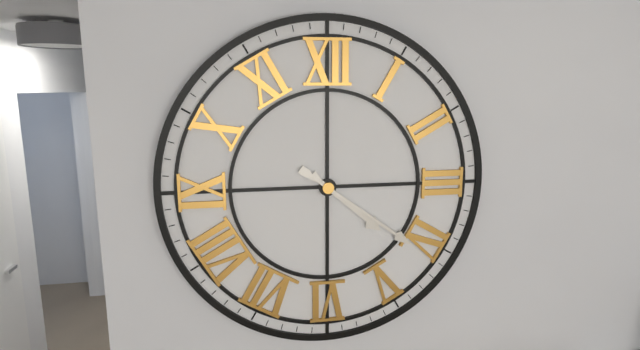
4:21
